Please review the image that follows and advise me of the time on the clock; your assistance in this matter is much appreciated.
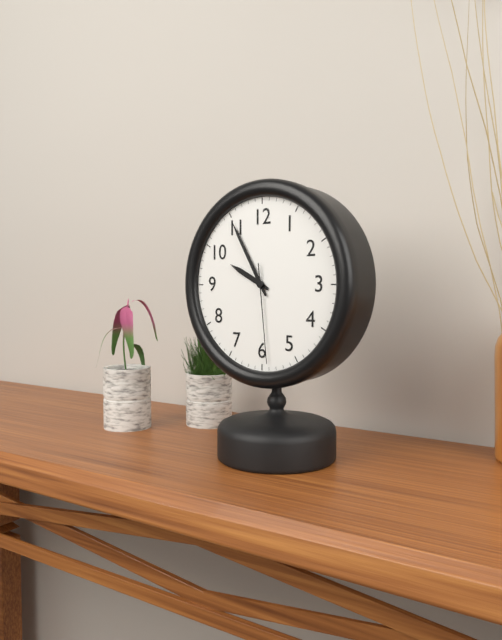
9:55:29
